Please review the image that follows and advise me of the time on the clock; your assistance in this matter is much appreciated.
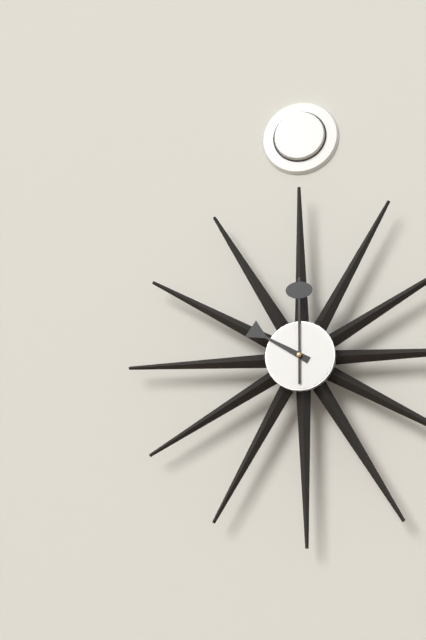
10:00
